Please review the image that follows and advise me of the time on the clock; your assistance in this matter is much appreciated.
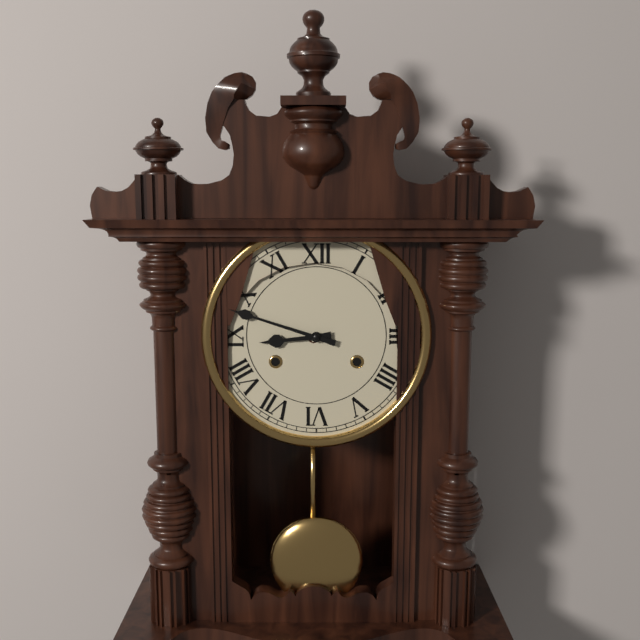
8:48
